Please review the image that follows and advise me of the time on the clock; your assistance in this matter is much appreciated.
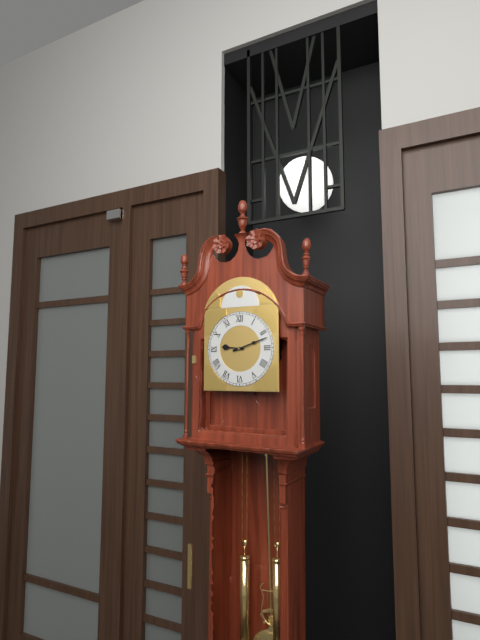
9:12
